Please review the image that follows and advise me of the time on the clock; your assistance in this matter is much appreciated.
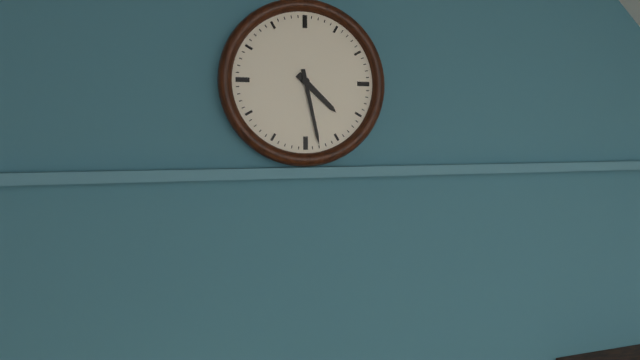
4:28
